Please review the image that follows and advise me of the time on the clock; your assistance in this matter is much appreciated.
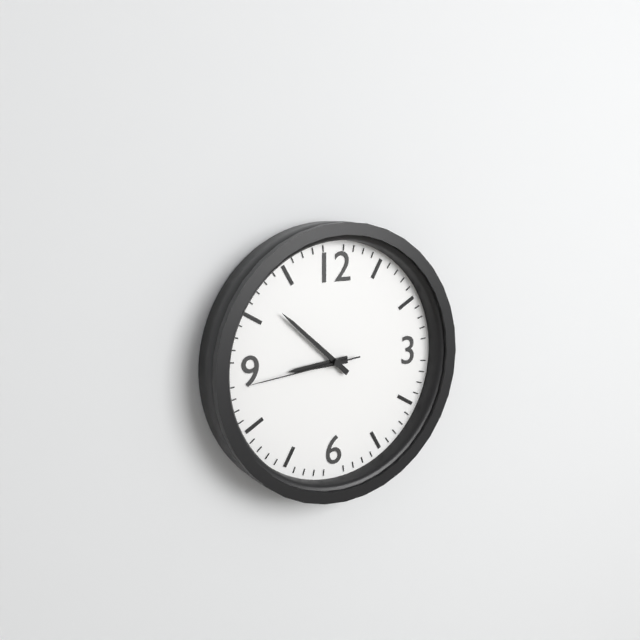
8:52:44
